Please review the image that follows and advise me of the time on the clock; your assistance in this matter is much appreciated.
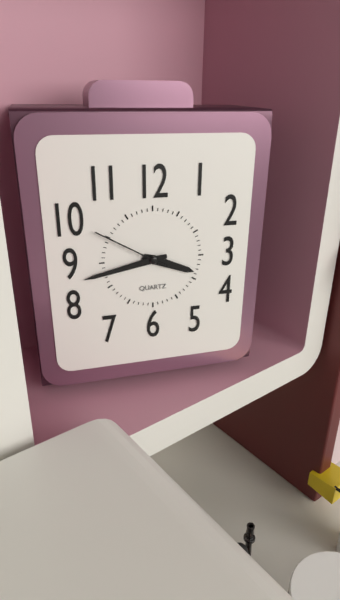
3:43:50
